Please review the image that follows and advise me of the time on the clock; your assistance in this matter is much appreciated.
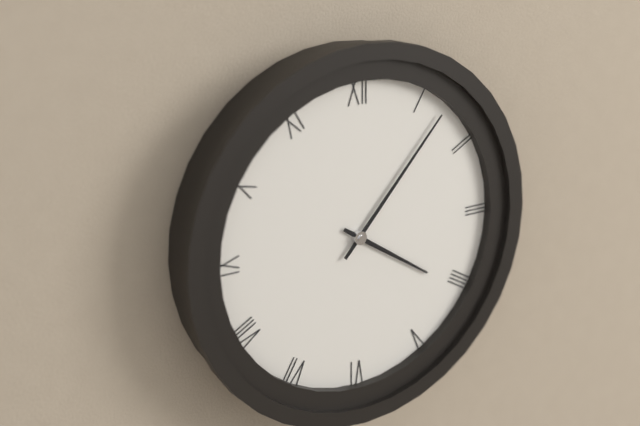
4:07
